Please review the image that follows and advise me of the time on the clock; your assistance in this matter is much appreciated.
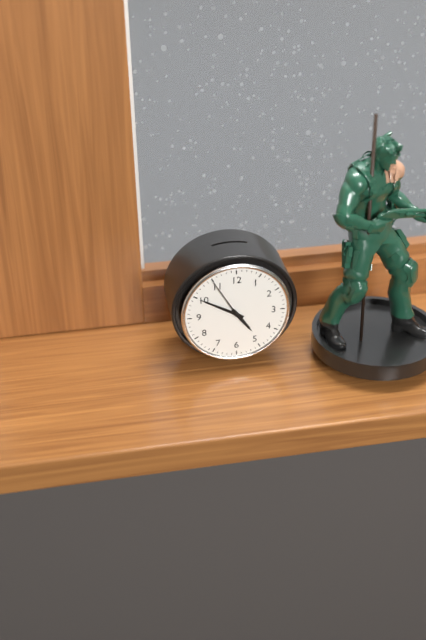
4:50
